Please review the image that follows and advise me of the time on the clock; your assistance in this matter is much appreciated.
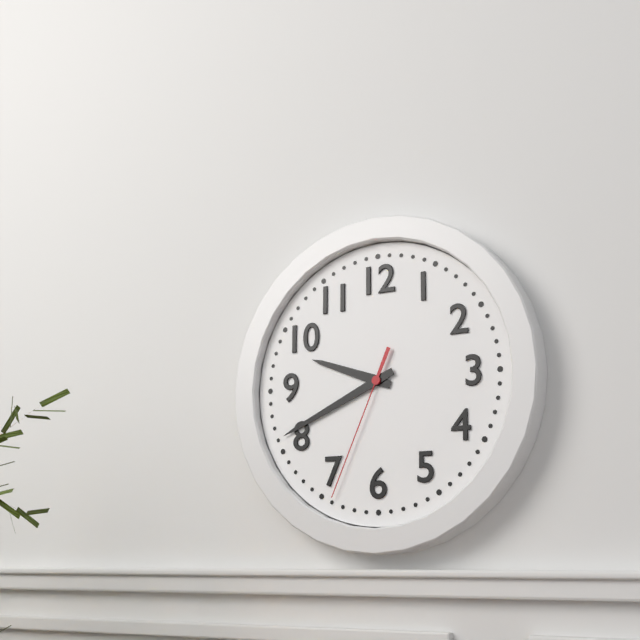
9:41:34
